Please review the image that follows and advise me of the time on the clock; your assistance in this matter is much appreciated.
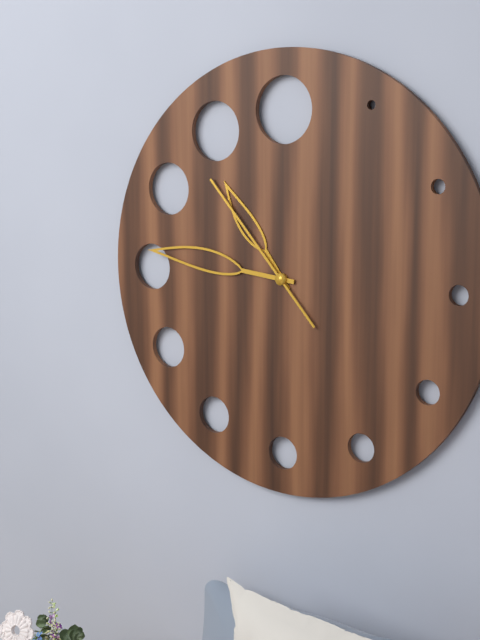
10:46:53
